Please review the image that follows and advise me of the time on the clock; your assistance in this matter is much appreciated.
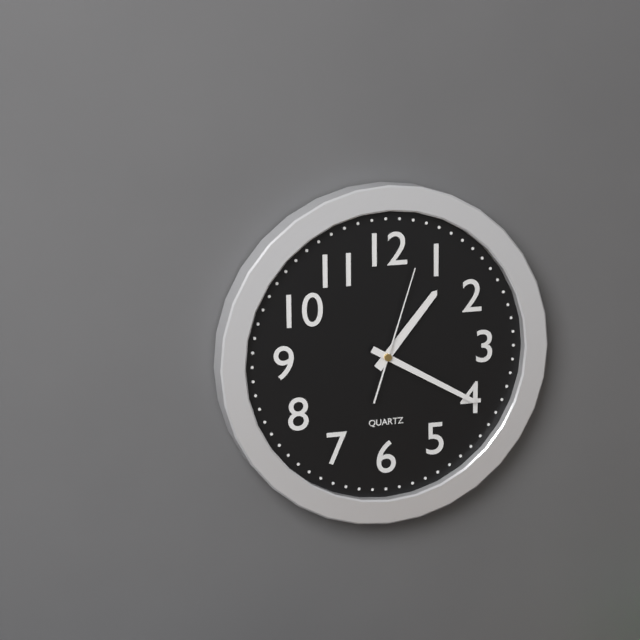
1:20:03
